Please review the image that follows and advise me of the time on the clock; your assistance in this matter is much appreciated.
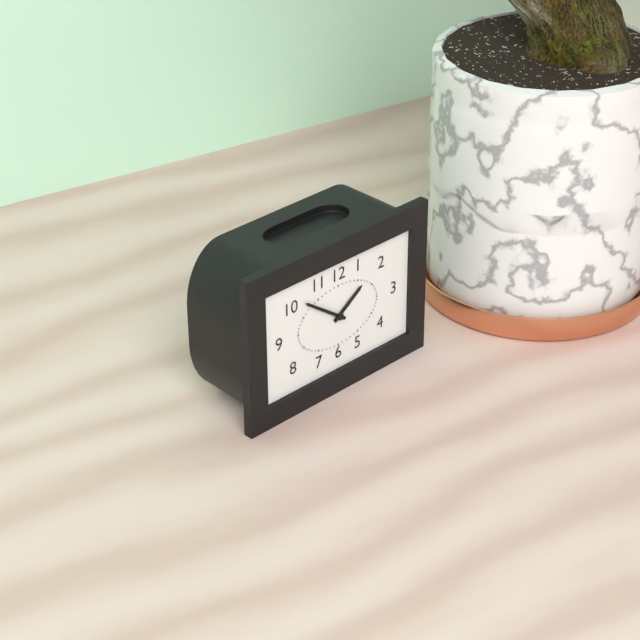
1:51
